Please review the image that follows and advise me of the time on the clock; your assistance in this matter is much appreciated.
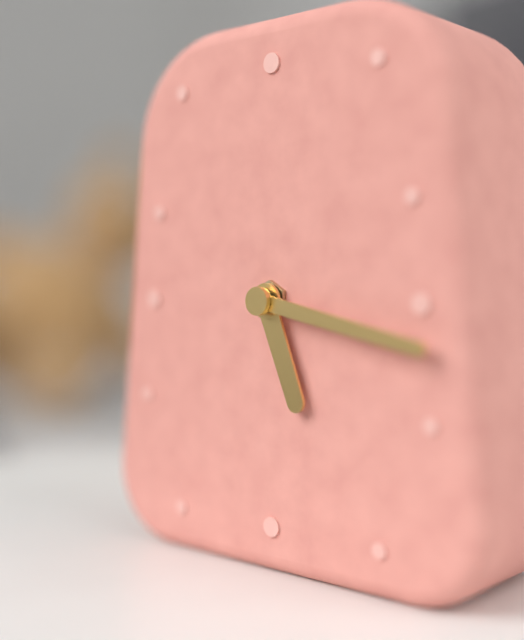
5:17
